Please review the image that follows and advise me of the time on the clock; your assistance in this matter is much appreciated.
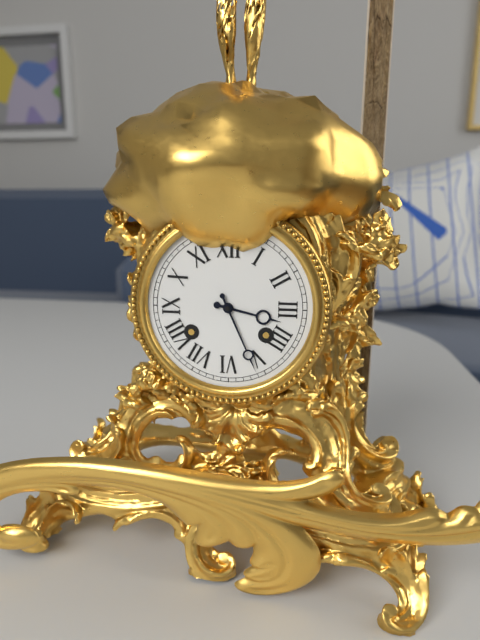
3:26
